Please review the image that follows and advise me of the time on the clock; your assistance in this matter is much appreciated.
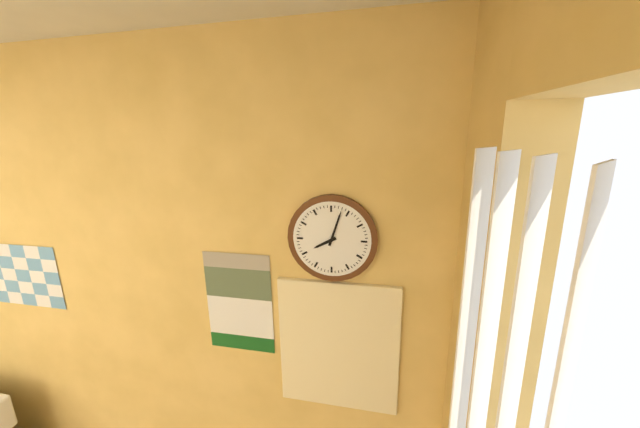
8:03
